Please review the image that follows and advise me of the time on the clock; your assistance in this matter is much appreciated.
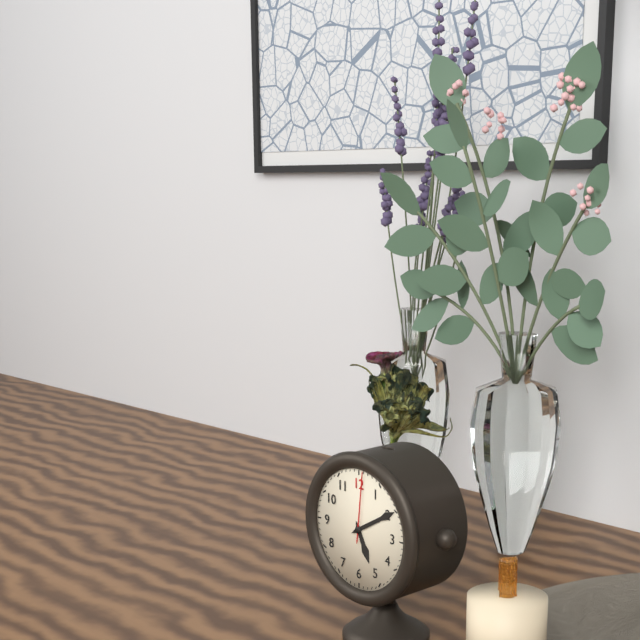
5:10:01
